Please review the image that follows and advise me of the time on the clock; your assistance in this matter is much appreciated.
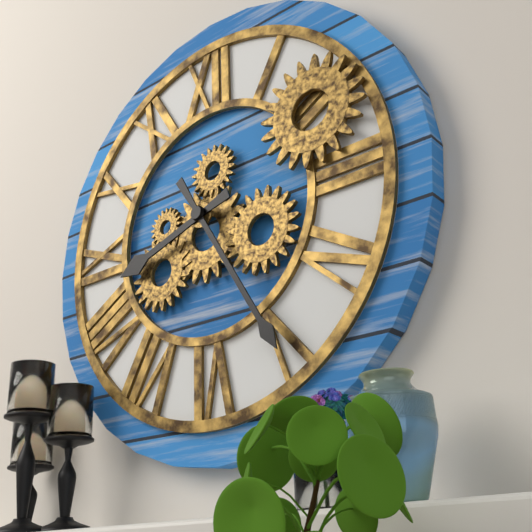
8:25
